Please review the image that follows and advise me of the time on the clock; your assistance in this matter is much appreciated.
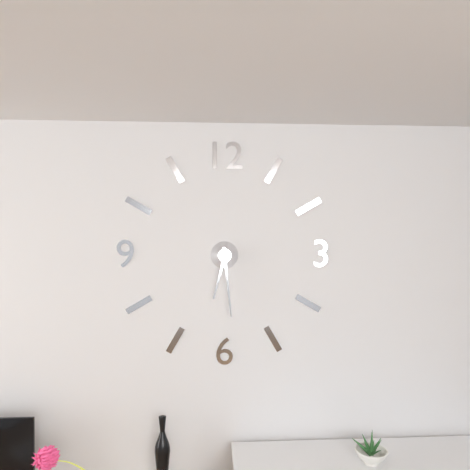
6:29
